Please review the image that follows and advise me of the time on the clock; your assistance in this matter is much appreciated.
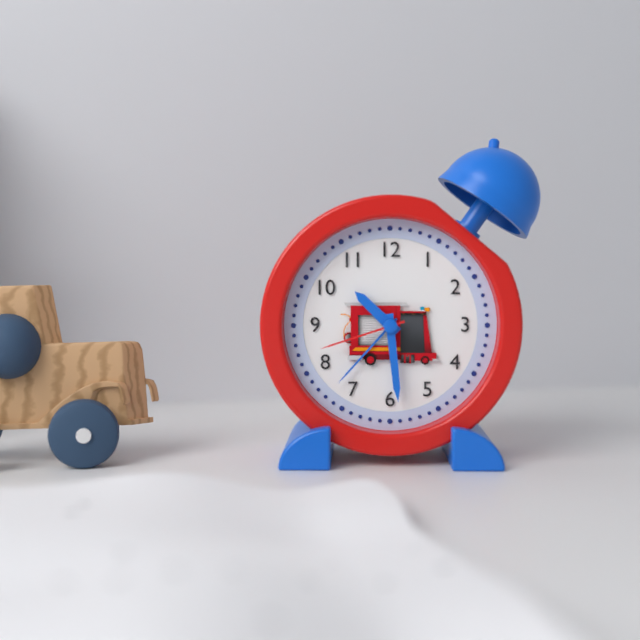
10:29:42
